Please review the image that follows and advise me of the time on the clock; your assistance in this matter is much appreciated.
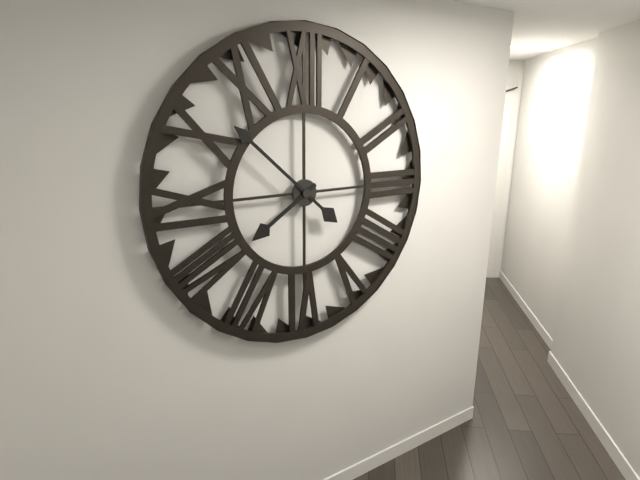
7:52
